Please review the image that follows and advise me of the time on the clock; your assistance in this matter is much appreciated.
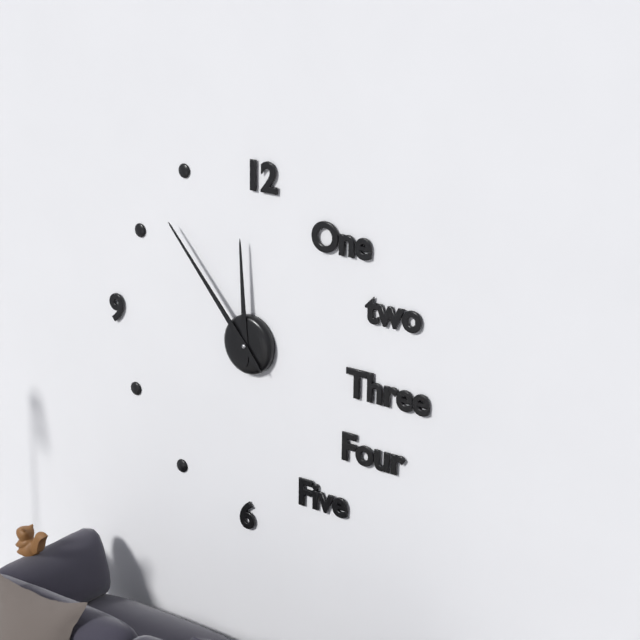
11:53
